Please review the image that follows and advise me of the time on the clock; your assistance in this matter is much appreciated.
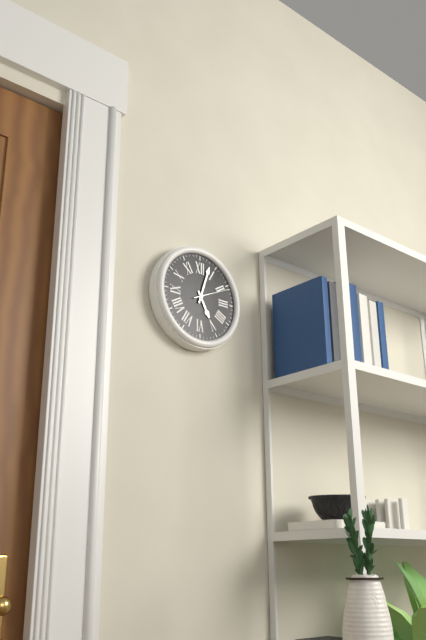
5:03
